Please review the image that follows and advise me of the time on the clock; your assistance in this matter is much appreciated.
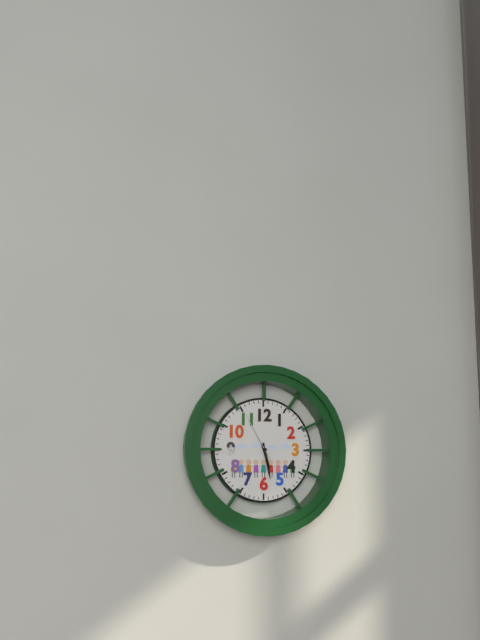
5:28:55
